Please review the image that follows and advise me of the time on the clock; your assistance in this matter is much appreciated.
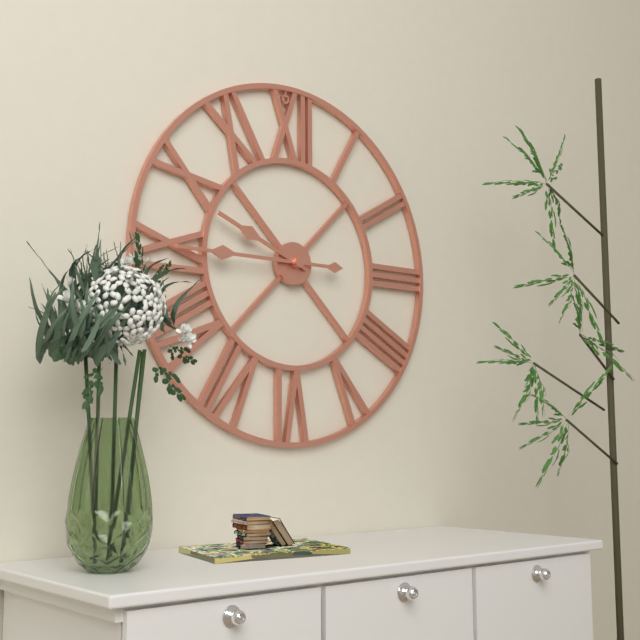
9:45
